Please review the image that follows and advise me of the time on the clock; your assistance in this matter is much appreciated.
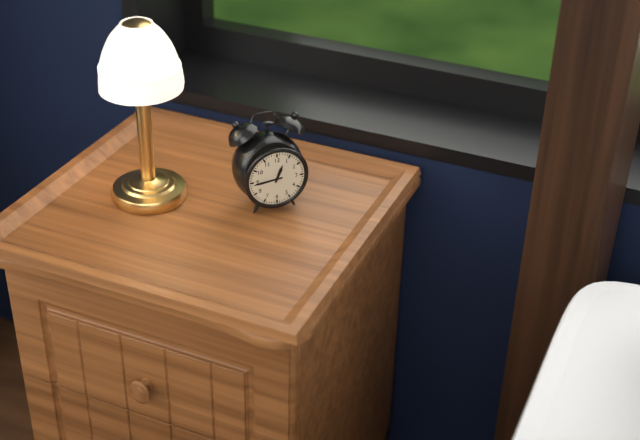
12:44
